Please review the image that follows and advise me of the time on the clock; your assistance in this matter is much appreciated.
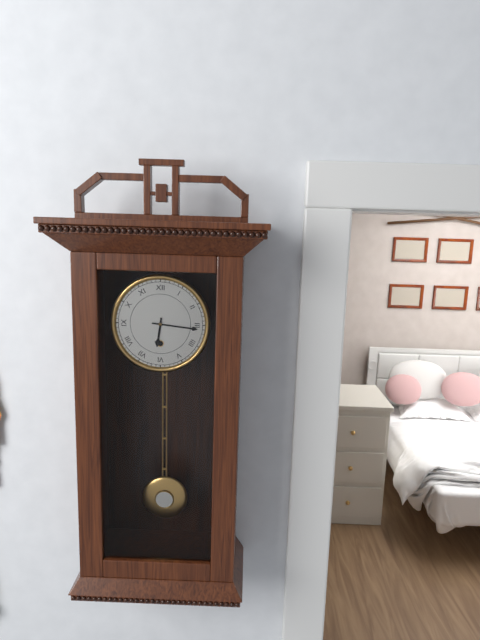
6:16
